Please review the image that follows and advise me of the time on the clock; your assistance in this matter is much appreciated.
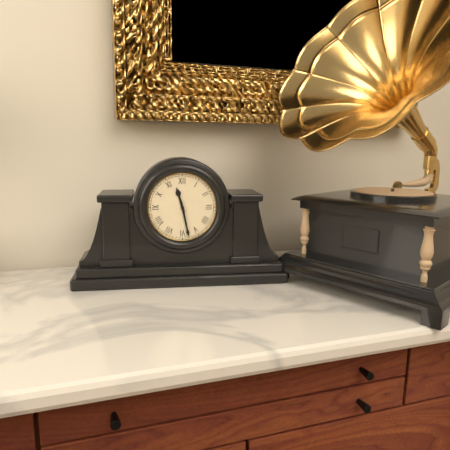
11:28
